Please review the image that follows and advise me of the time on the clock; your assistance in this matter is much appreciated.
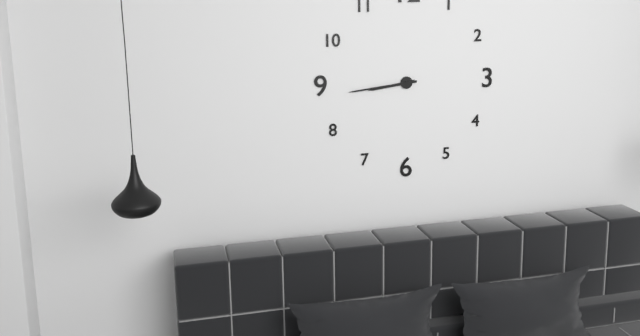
8:44
